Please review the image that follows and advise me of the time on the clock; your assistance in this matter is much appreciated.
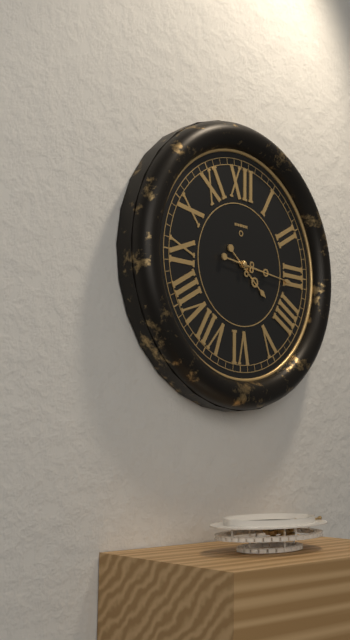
4:16
